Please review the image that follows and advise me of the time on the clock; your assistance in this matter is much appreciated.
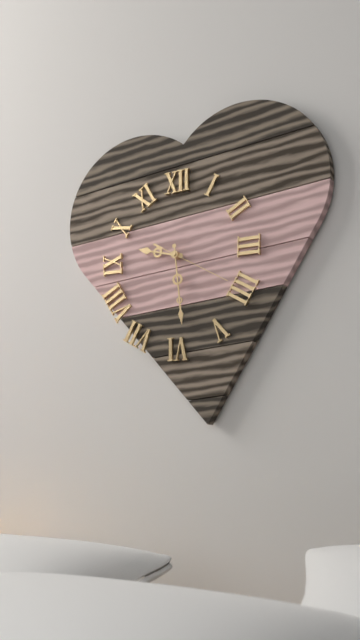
9:29:20
